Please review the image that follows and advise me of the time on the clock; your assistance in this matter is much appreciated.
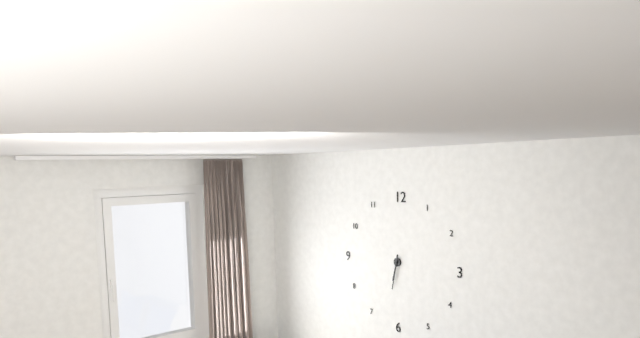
6:32
